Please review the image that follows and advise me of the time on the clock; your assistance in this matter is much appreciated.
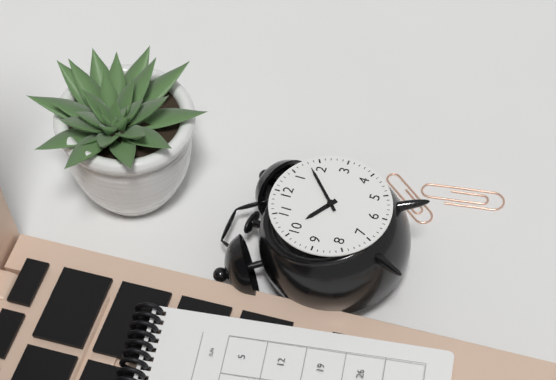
10:08
